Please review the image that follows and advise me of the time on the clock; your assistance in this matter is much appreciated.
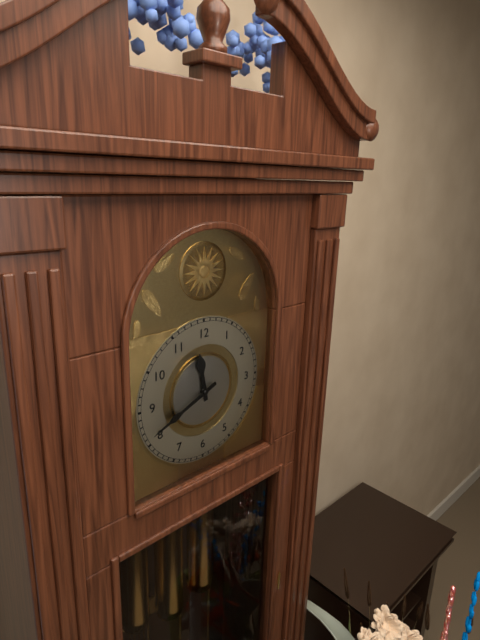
11:41
